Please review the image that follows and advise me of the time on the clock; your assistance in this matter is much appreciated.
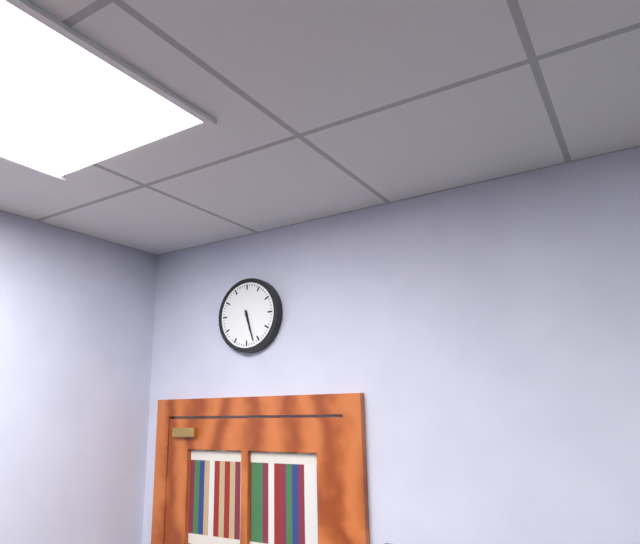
5:27
